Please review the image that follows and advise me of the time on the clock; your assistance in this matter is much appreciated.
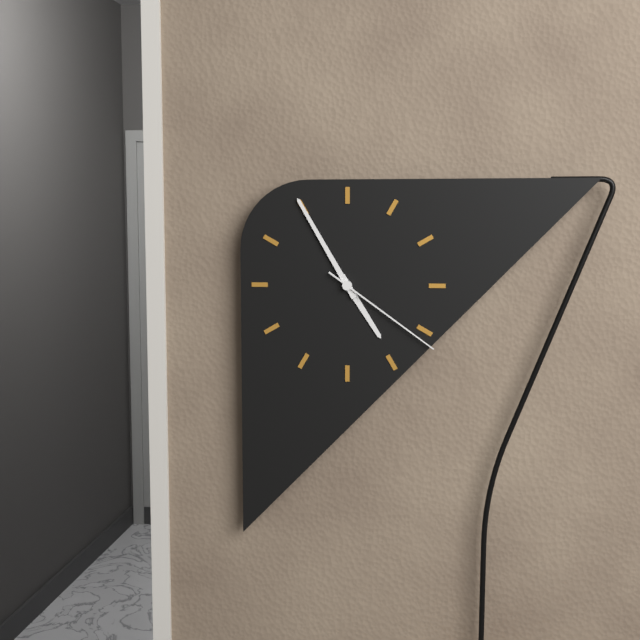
4:55:21
